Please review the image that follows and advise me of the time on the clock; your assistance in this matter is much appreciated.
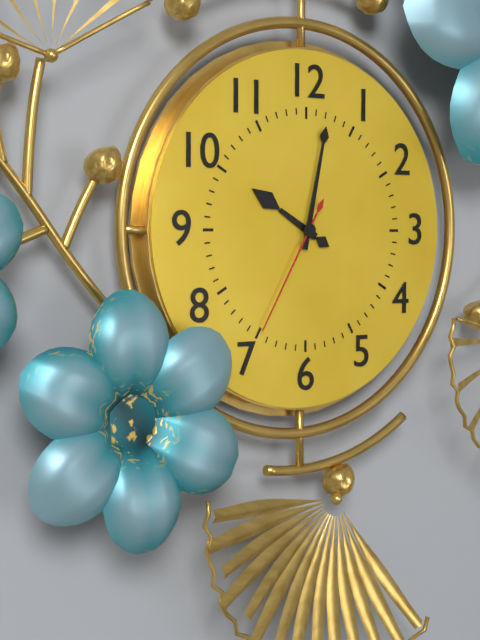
10:02:35
